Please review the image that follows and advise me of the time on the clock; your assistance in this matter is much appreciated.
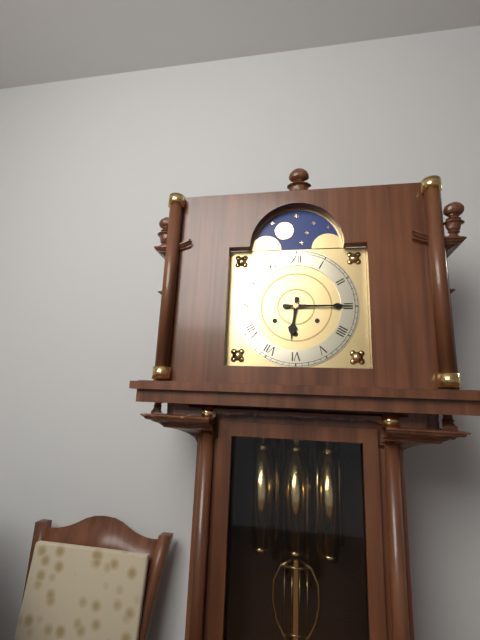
6:15
